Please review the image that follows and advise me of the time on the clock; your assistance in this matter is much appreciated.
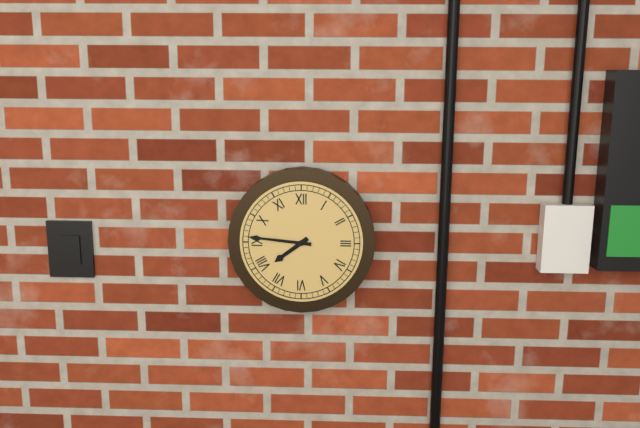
7:46
